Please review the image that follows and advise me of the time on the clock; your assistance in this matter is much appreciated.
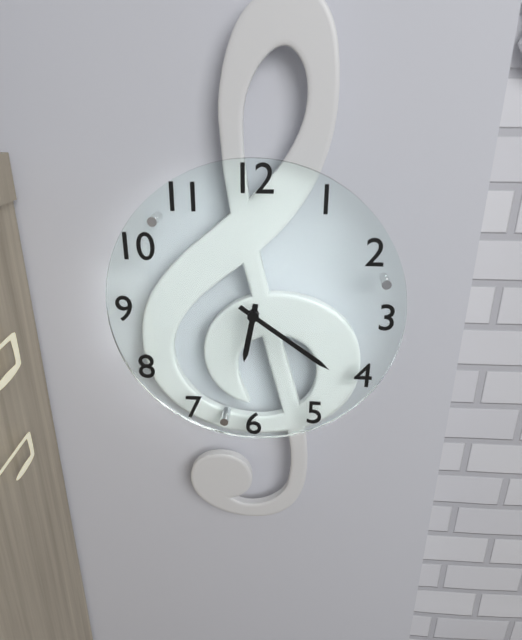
6:21
